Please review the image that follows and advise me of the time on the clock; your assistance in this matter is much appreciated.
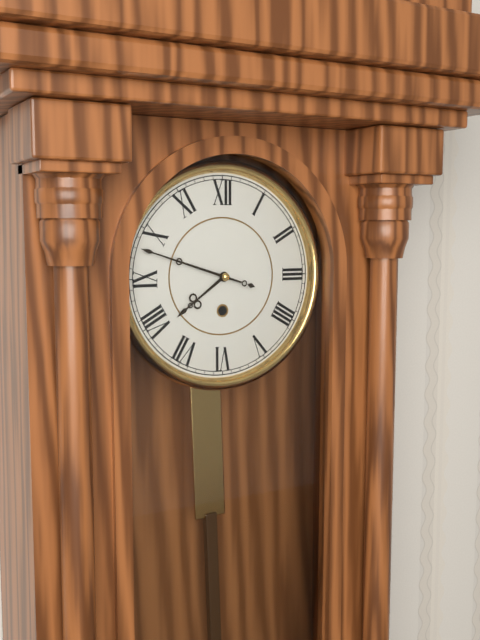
7:48
